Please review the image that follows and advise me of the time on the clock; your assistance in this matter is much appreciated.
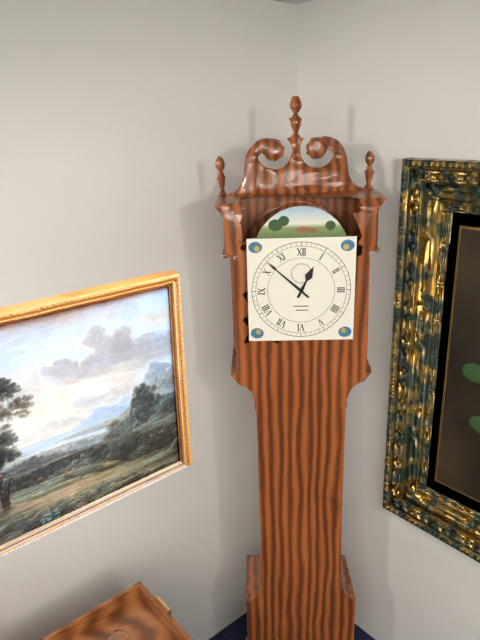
12:52
